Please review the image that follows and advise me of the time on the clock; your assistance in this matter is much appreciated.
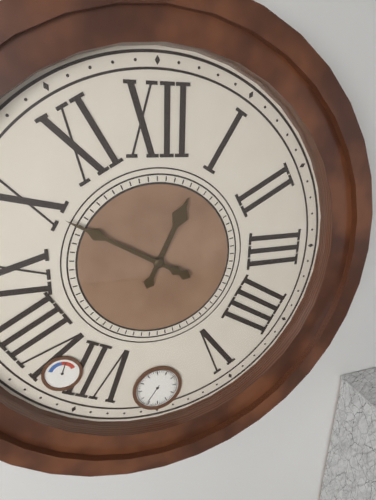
12:50
